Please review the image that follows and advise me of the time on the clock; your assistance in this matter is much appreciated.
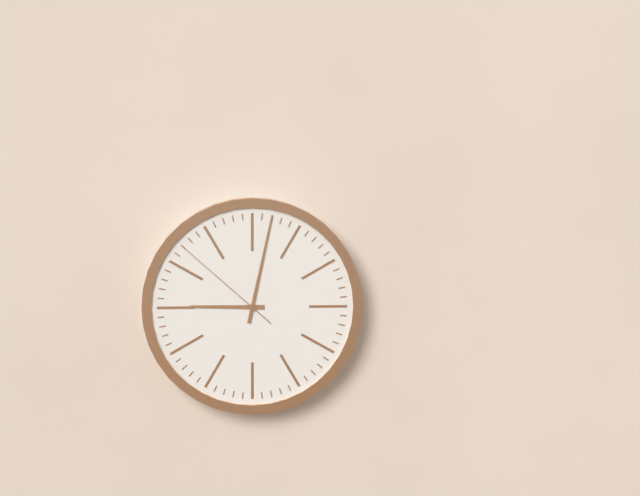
9:02:52
